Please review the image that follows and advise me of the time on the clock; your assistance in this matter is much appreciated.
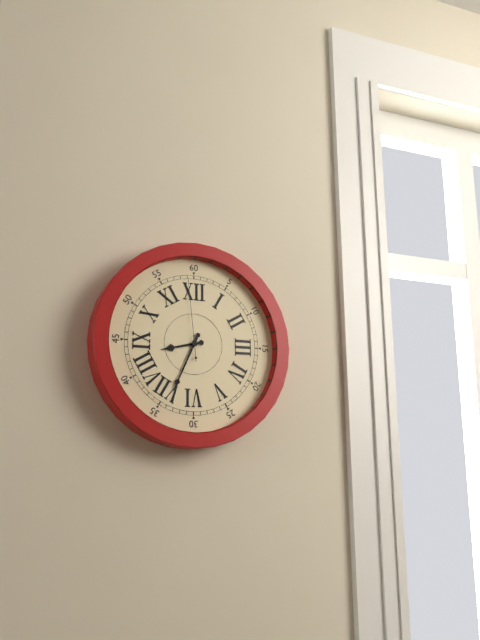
8:34:59
